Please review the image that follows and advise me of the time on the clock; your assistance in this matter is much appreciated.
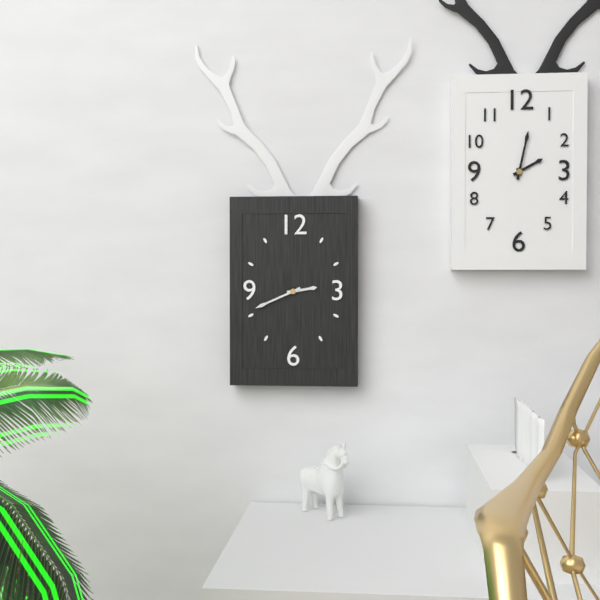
2:41
